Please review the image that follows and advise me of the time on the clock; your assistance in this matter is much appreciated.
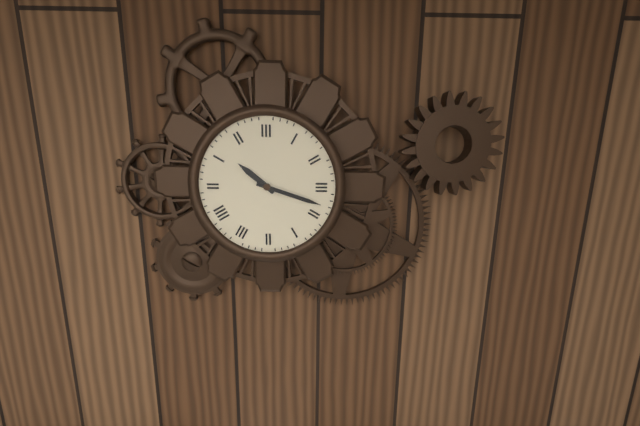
10:18
